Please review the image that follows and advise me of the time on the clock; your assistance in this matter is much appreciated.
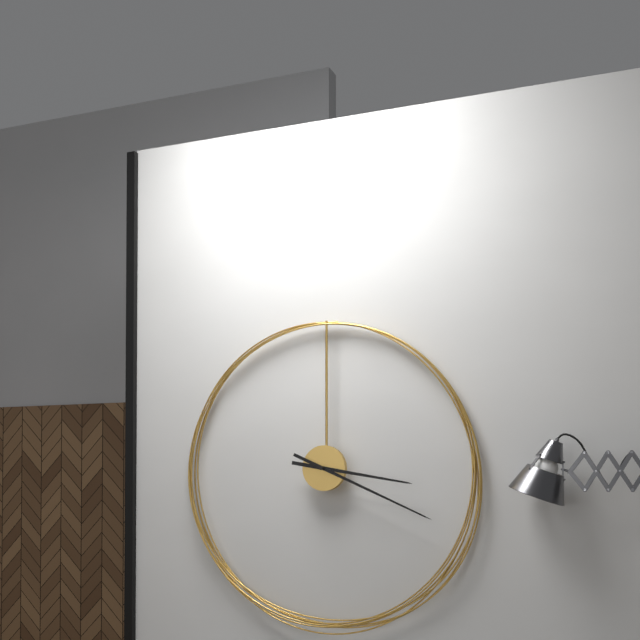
3:19
